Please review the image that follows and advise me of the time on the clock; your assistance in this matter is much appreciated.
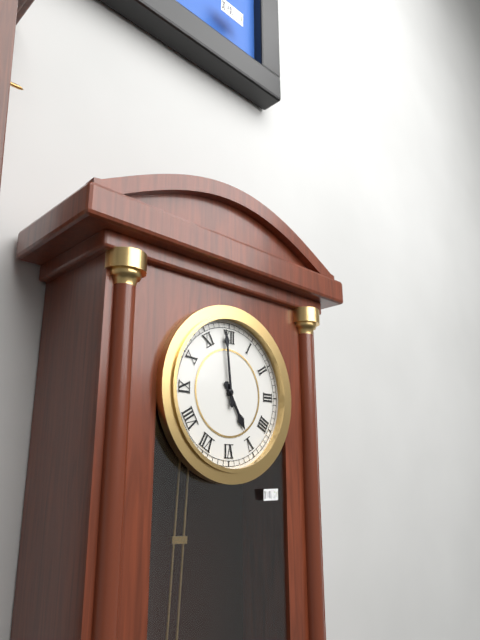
4:59
